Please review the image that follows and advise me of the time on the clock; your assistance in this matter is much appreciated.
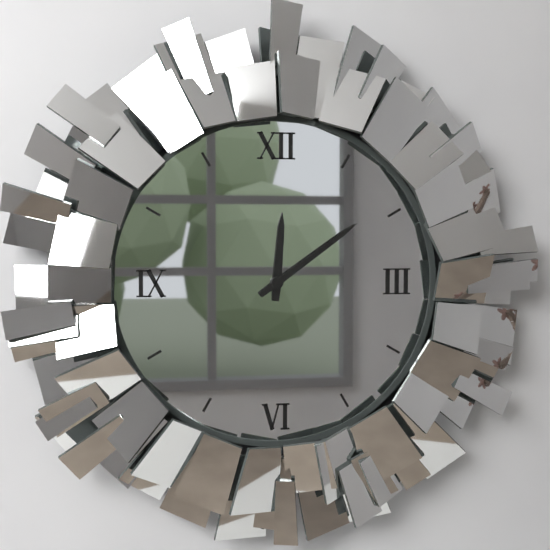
12:09
